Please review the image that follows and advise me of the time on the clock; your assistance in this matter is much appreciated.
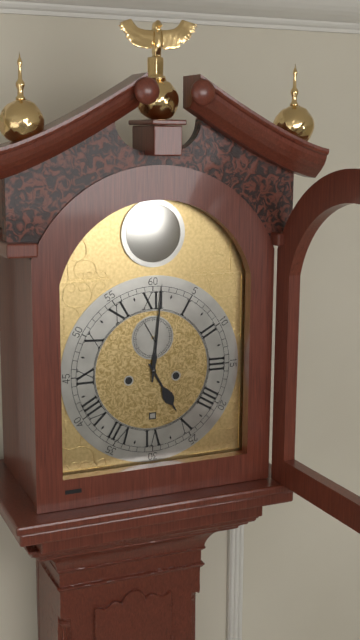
5:01
